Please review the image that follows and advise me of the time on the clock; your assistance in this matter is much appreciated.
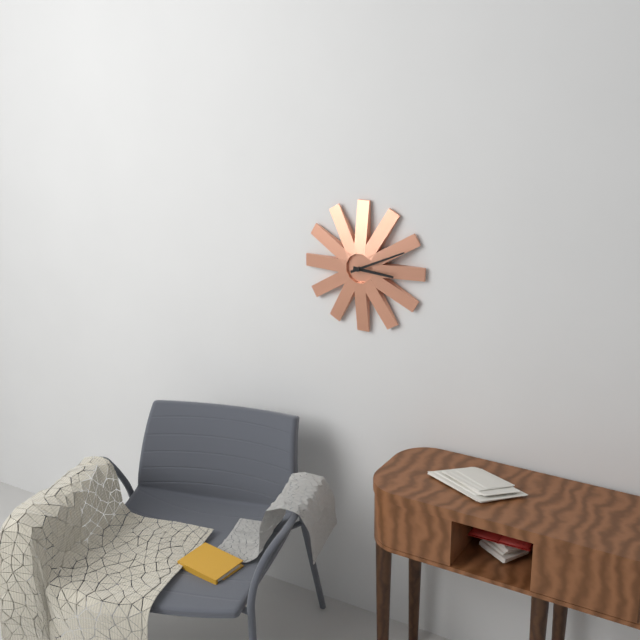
3:11
